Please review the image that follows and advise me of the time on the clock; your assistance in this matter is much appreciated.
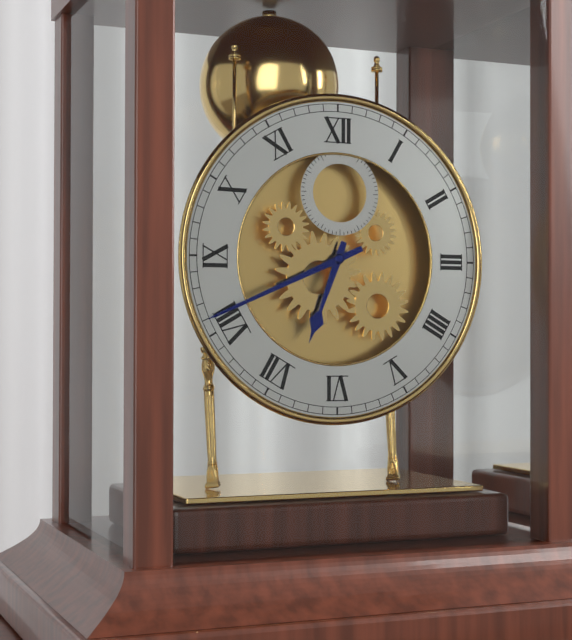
6:41
